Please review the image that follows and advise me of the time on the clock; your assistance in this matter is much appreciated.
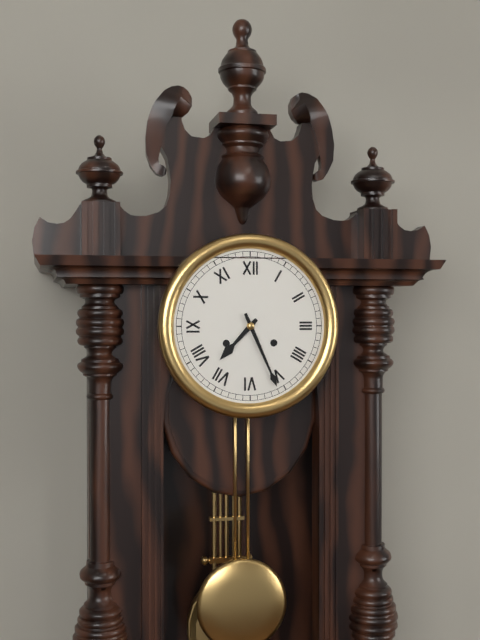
7:26
